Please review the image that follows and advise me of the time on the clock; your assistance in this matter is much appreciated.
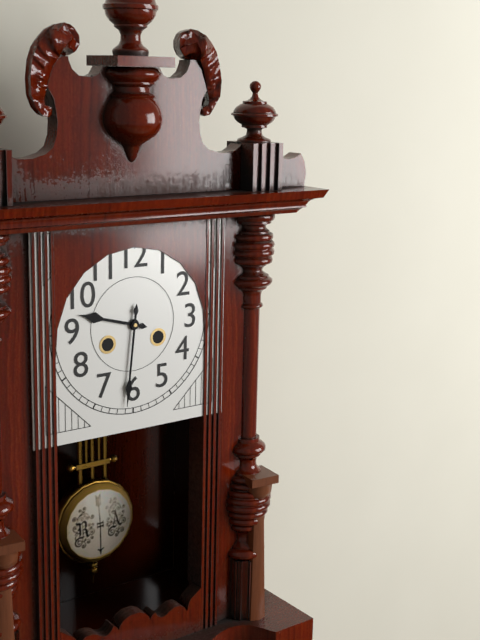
9:31
